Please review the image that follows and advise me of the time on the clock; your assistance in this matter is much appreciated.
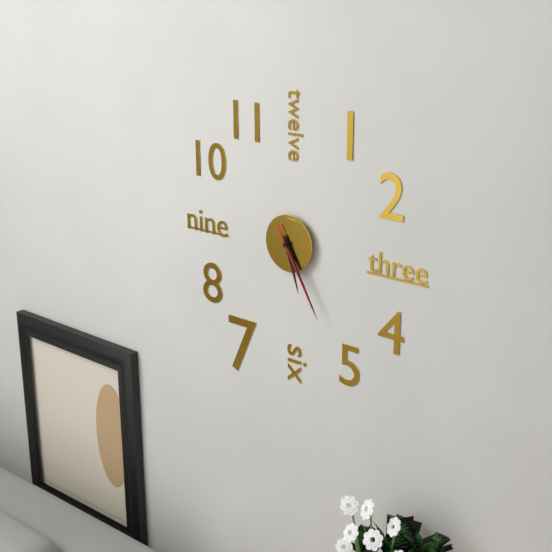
5:25:25
